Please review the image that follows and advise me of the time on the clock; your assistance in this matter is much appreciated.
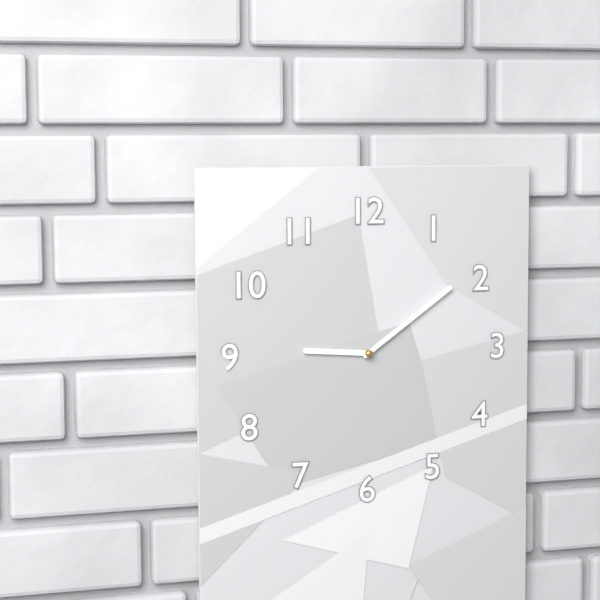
9:09
